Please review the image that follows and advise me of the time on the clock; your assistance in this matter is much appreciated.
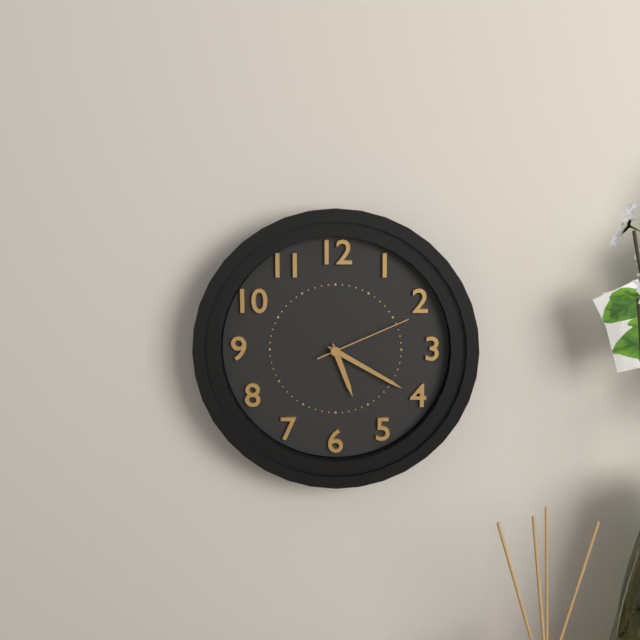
5:20:11
